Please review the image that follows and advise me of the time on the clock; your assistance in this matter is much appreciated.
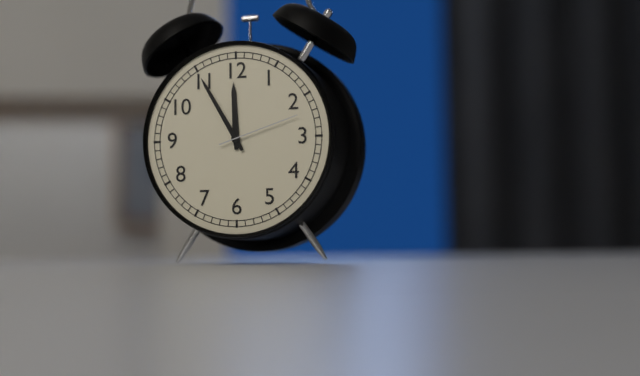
11:55:12
